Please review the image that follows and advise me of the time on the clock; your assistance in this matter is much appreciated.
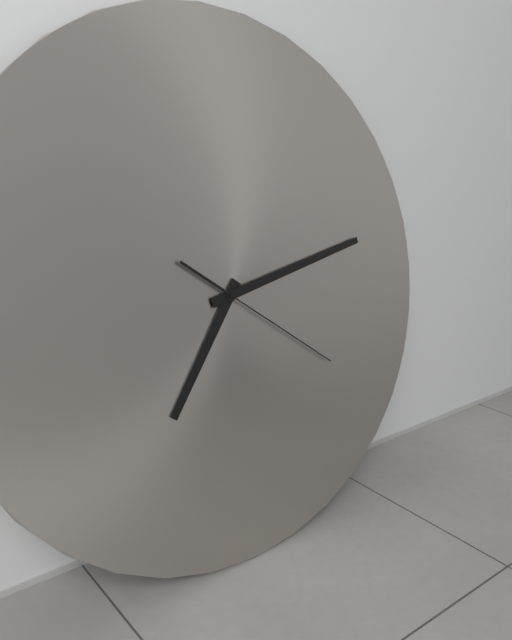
7:13:21
